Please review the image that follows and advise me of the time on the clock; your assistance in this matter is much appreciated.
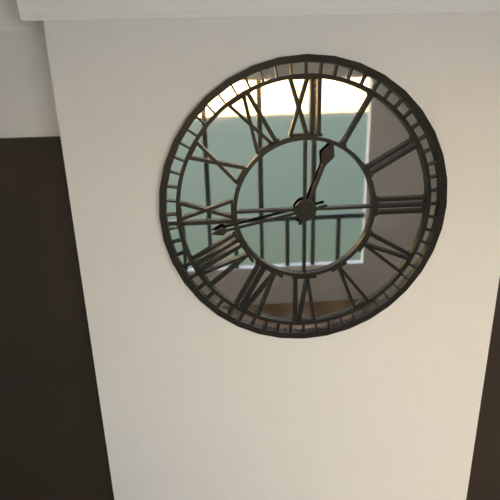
12:43
